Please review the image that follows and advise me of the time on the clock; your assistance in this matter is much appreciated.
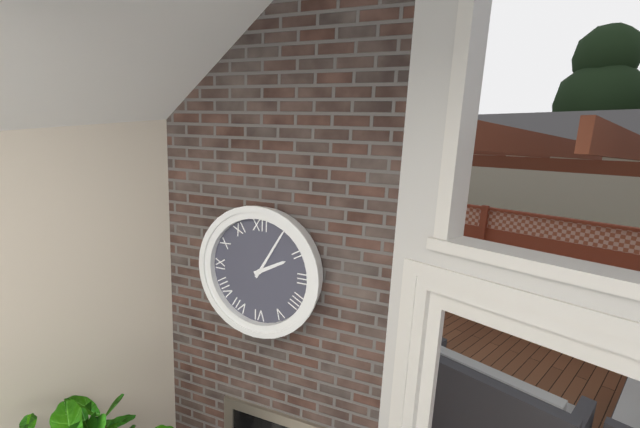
2:05
